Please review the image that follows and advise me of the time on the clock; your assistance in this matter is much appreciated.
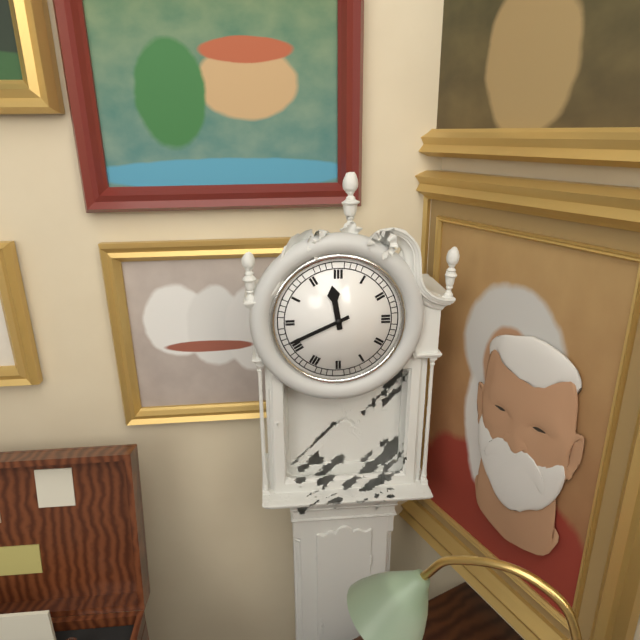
11:41
